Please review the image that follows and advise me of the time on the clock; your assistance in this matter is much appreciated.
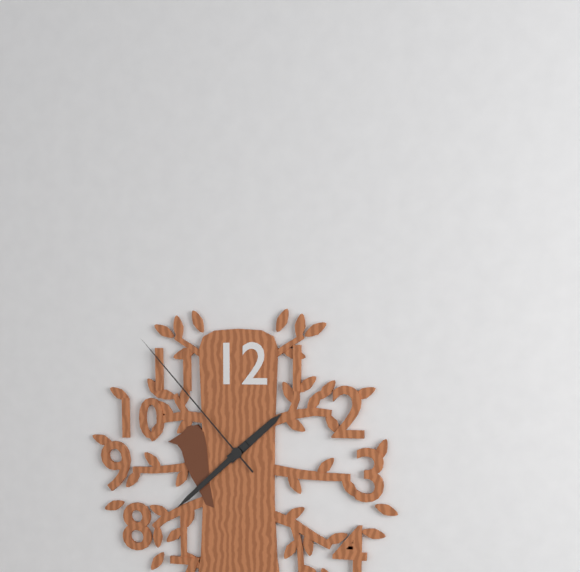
1:38:53
